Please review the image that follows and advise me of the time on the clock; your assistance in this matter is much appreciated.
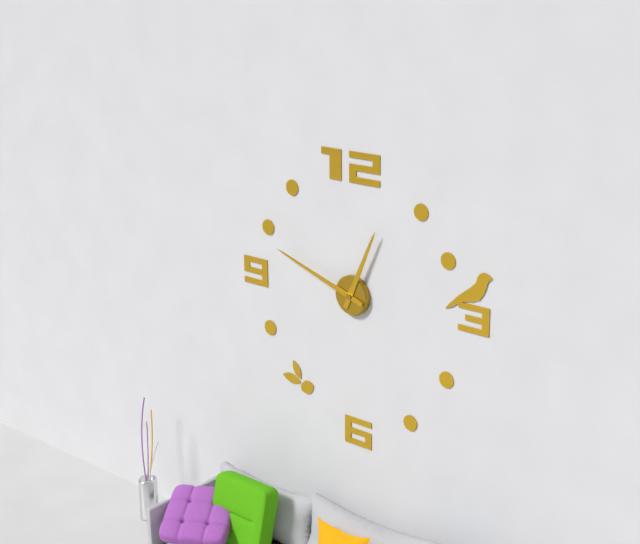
12:48
